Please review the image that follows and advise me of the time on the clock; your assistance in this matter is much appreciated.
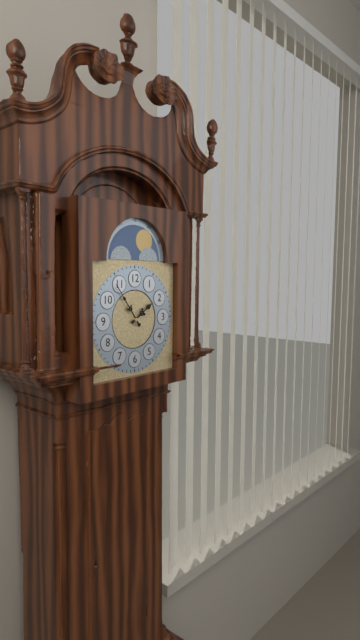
1:54
